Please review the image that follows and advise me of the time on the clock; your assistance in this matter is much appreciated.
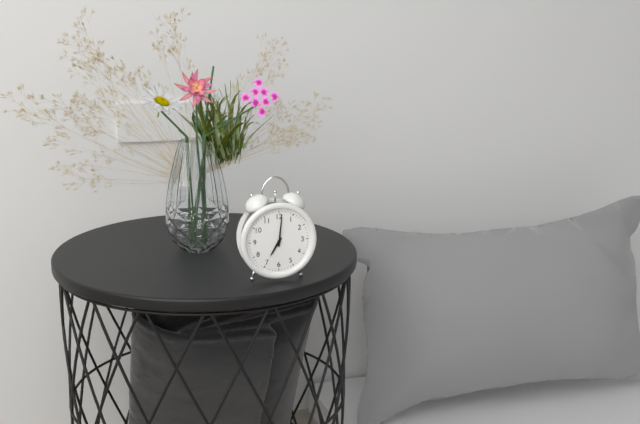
7:01
